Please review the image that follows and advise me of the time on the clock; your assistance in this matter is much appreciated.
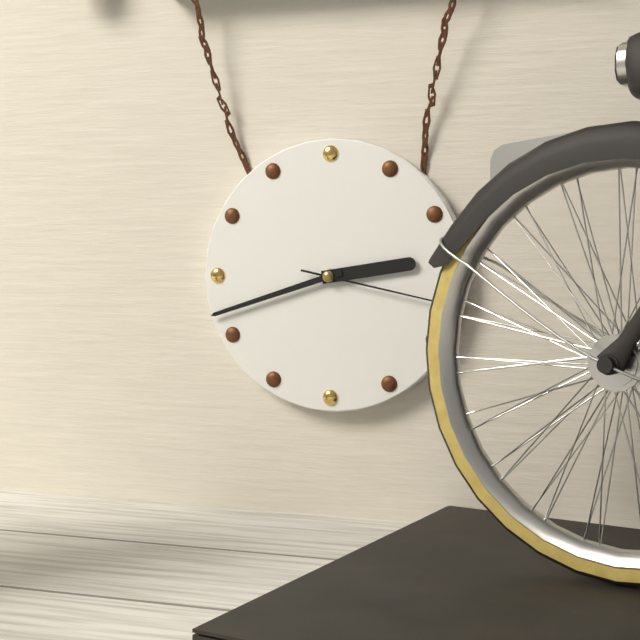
2:42:17
